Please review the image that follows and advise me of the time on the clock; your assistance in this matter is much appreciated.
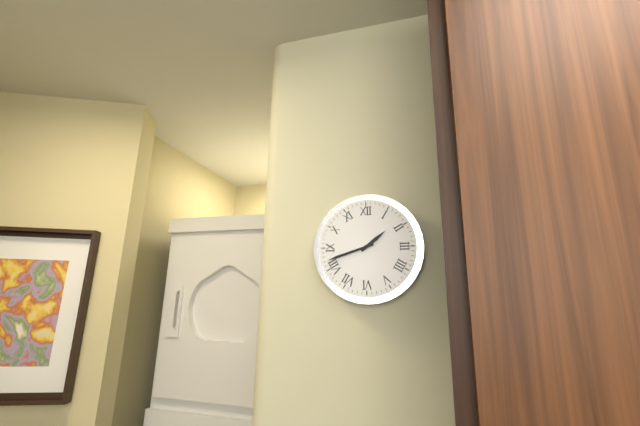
1:42
